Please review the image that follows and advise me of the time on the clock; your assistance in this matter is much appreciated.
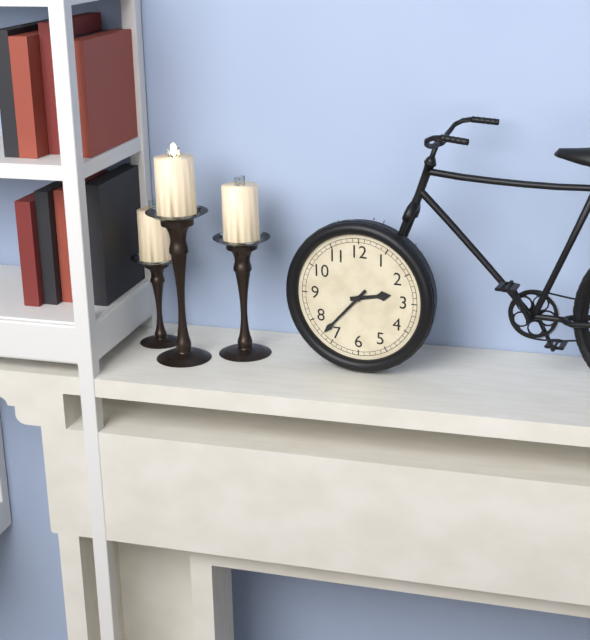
2:37
